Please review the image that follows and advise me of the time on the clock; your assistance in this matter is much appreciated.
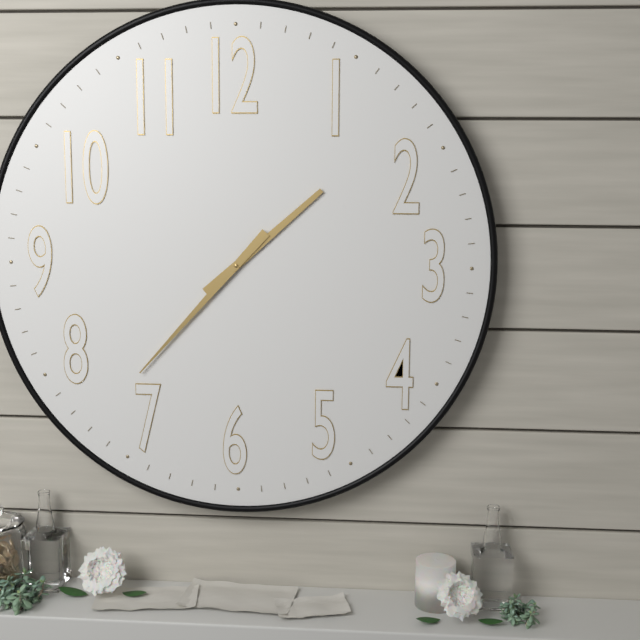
1:37
